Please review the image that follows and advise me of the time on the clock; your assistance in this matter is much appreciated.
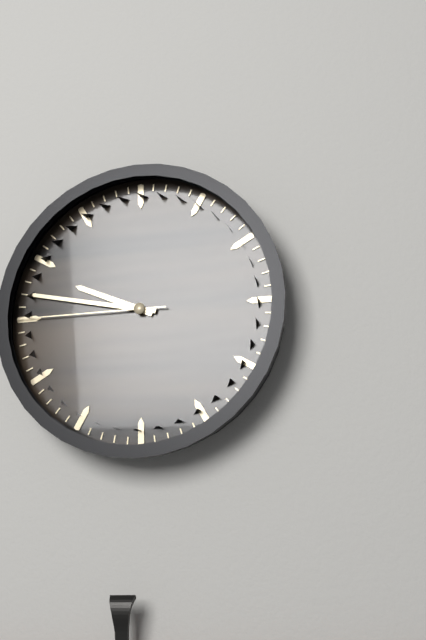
9:47:45
